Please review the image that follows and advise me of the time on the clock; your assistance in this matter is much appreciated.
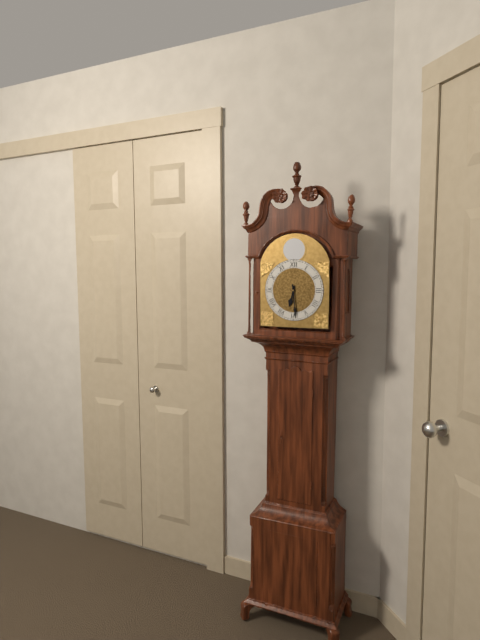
6:29
